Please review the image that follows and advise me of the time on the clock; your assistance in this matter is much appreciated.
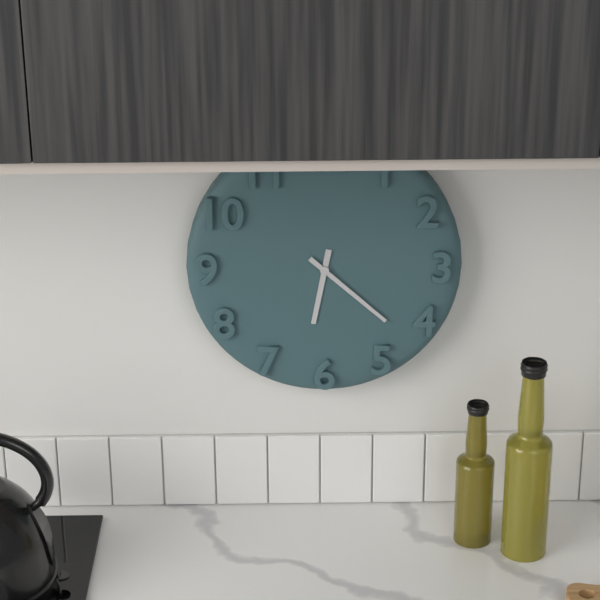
6:22
